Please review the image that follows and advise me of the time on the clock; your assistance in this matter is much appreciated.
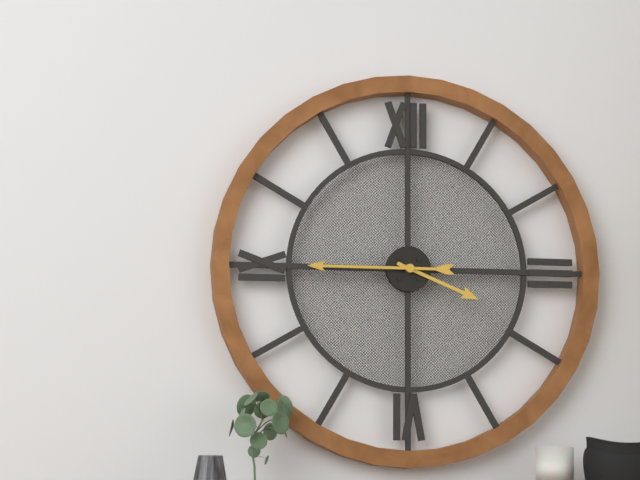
3:45
